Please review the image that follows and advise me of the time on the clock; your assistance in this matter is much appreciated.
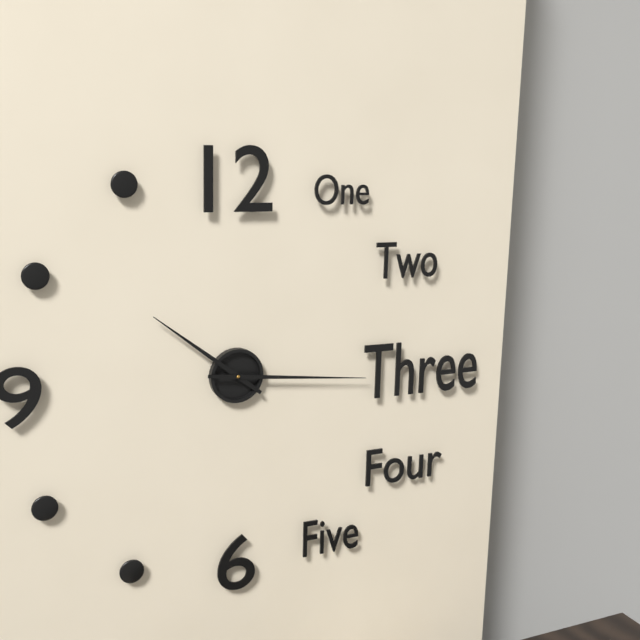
10:16
